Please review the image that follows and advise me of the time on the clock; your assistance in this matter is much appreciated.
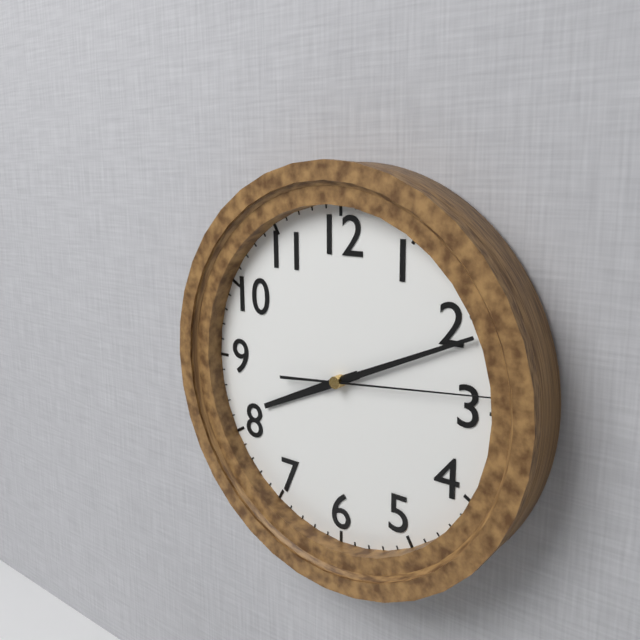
8:11:14
